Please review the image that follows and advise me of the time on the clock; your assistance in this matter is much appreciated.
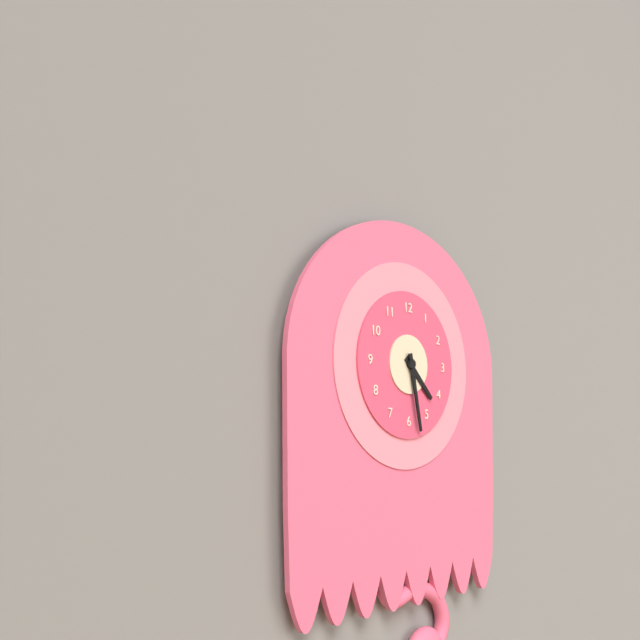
4:28
